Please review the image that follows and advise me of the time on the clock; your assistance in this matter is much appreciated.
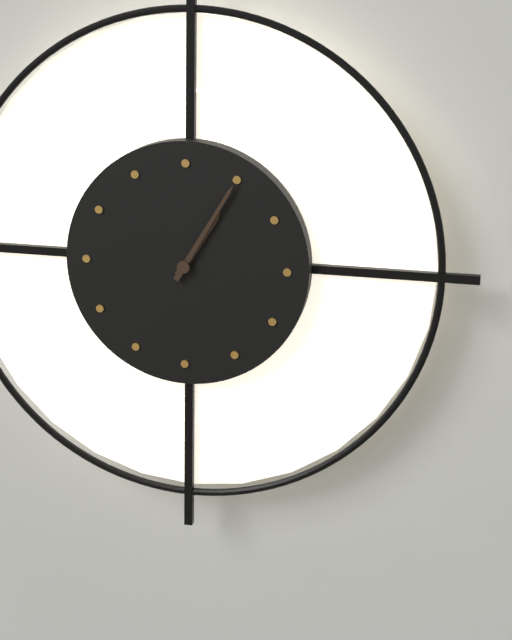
1:05
